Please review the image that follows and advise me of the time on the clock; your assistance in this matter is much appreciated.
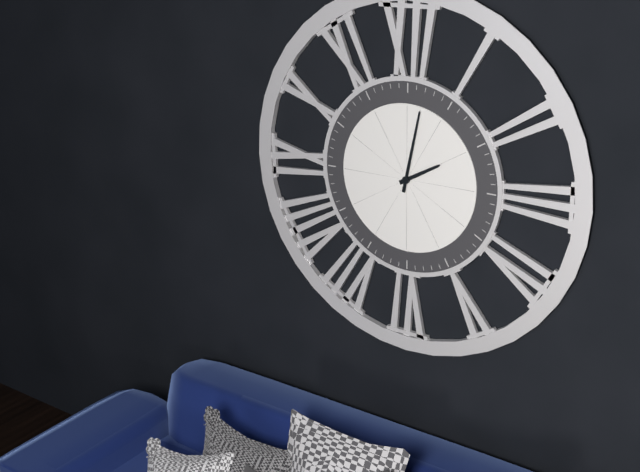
2:02
